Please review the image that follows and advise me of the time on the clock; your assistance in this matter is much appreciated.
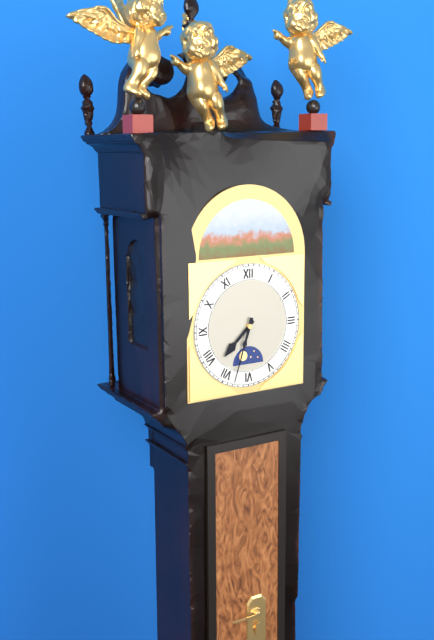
7:33
